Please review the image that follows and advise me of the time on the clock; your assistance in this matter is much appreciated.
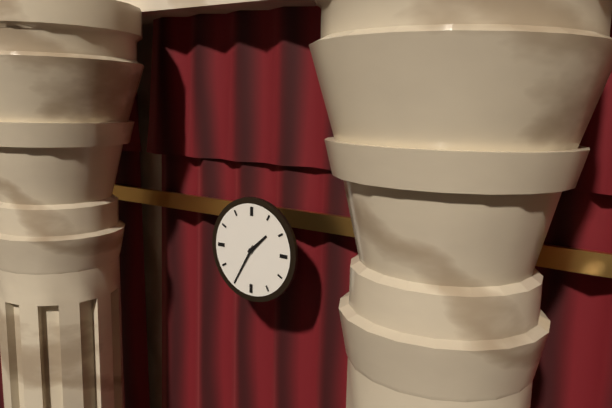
1:35
